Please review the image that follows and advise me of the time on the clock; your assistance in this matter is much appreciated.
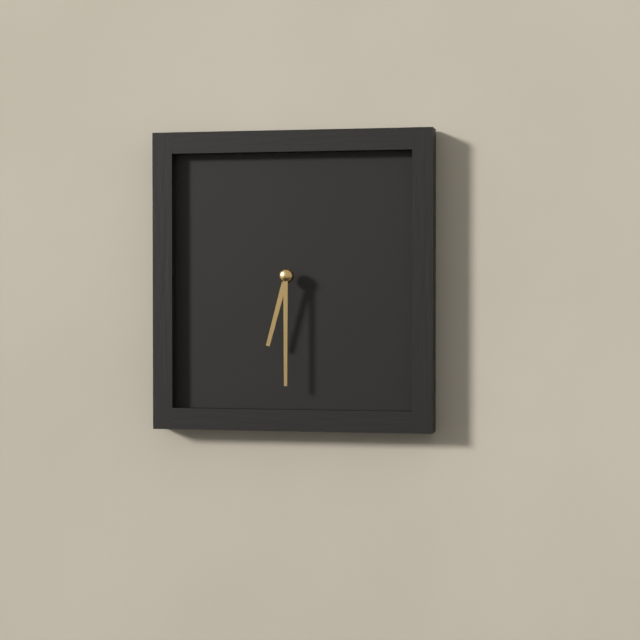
6:30
